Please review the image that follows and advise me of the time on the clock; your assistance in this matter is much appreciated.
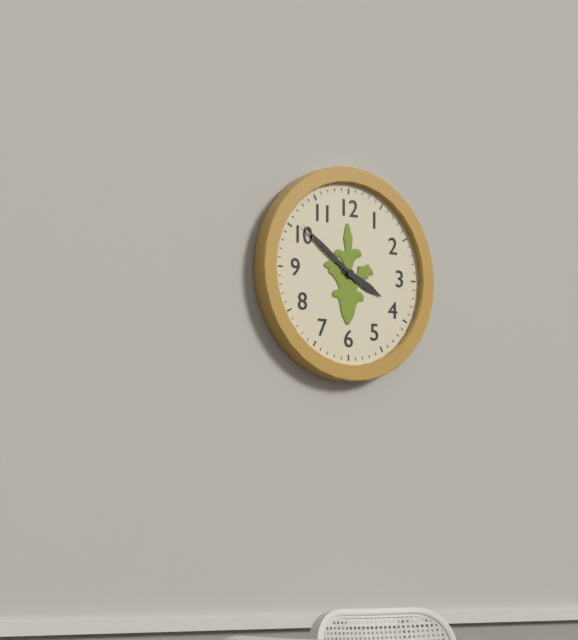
3:51
